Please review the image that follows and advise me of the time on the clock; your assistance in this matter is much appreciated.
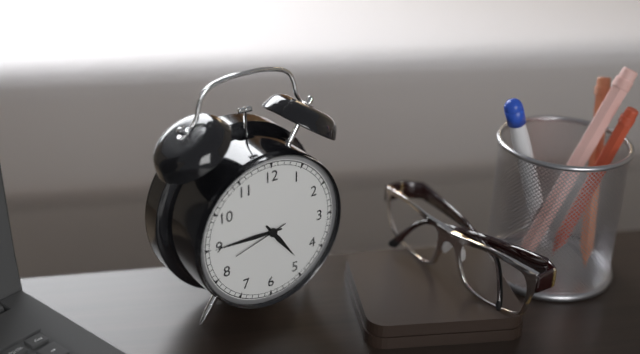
4:45:42
